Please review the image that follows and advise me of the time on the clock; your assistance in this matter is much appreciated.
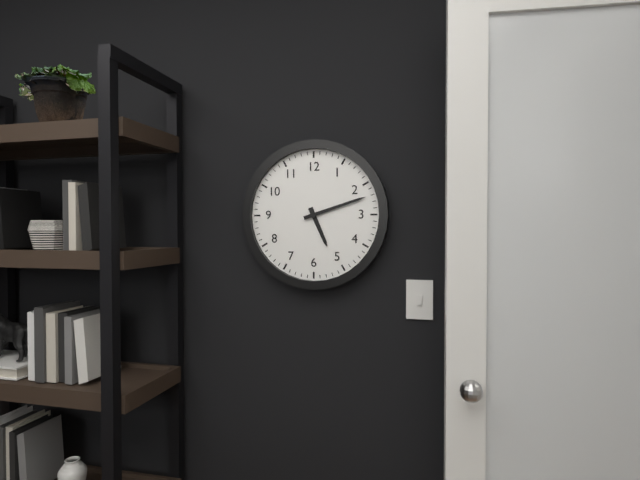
5:12
